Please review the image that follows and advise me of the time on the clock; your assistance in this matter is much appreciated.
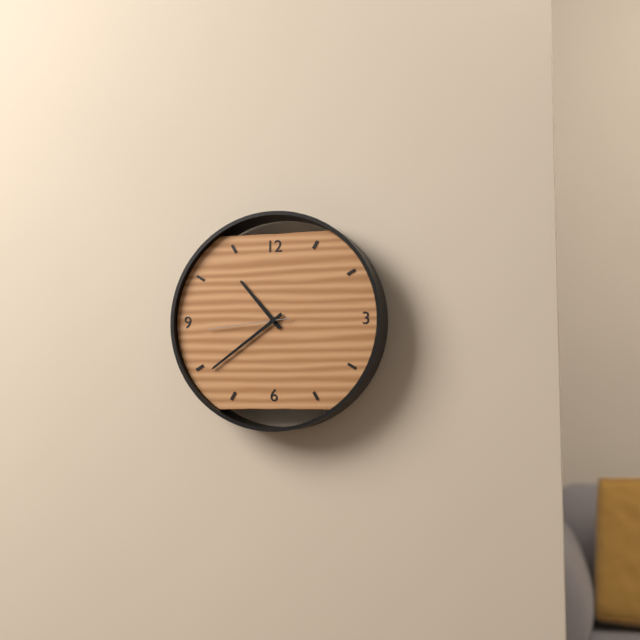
10:39:44
